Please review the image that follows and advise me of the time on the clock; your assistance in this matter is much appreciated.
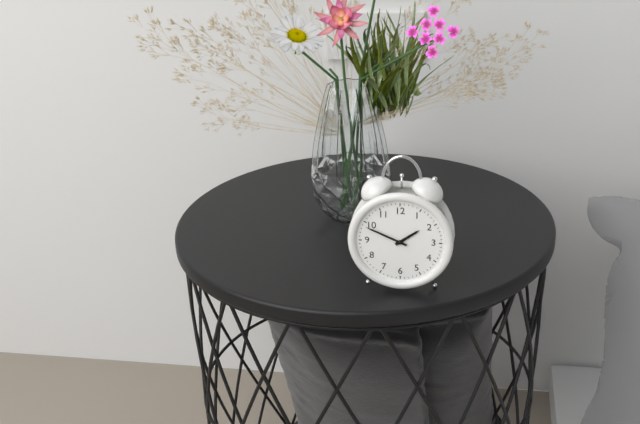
1:49
